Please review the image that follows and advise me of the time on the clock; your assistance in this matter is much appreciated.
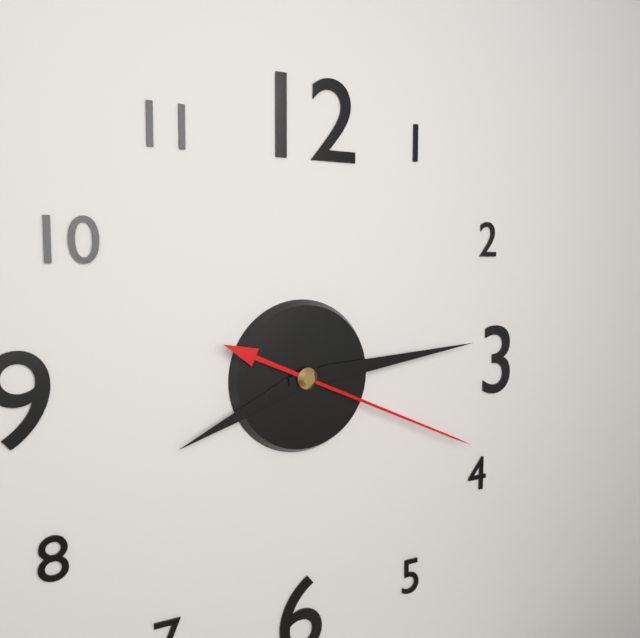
8:14:19
